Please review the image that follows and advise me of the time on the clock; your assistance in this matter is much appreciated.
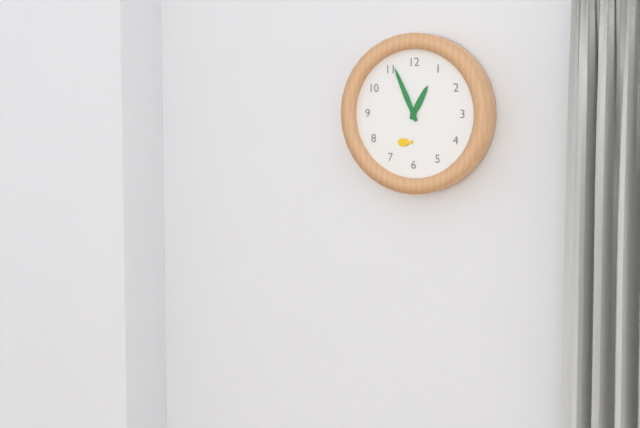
12:56
